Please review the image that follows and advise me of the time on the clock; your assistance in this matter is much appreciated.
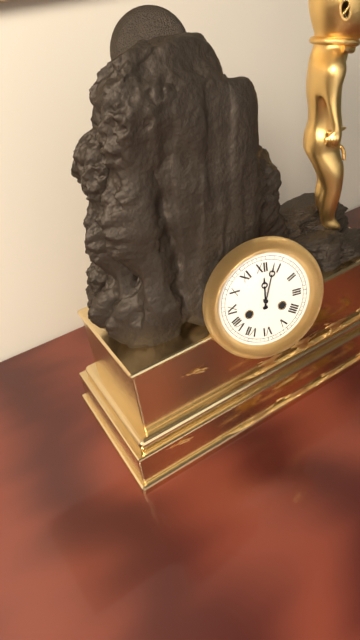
12:03
